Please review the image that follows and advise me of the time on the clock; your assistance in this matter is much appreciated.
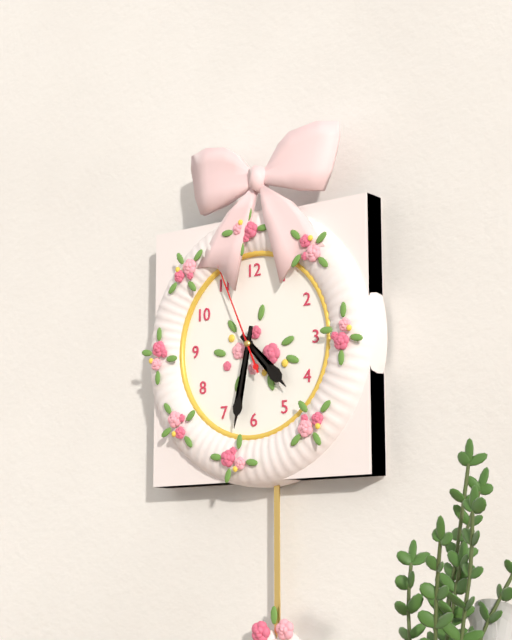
4:32:56
